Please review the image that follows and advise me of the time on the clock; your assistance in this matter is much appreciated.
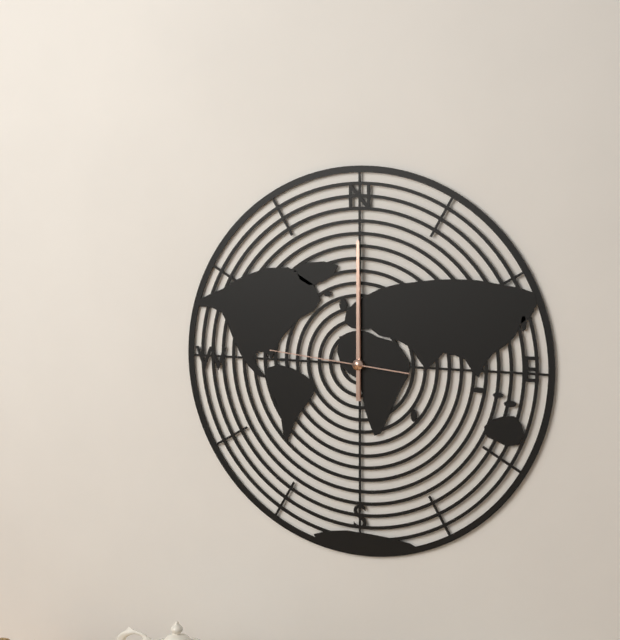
12:00:46
